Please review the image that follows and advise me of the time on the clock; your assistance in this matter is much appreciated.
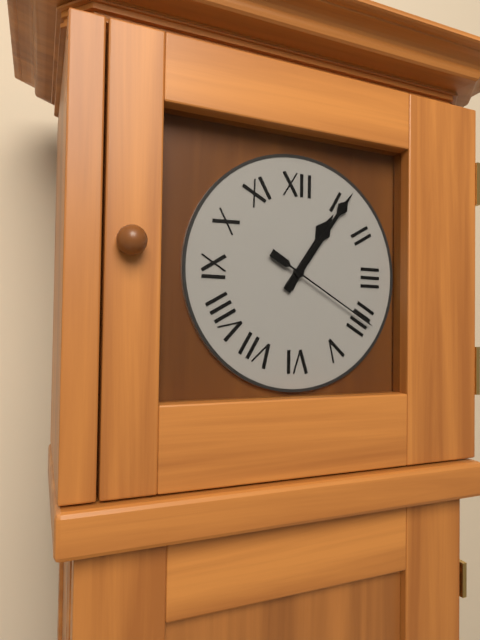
1:06:20
